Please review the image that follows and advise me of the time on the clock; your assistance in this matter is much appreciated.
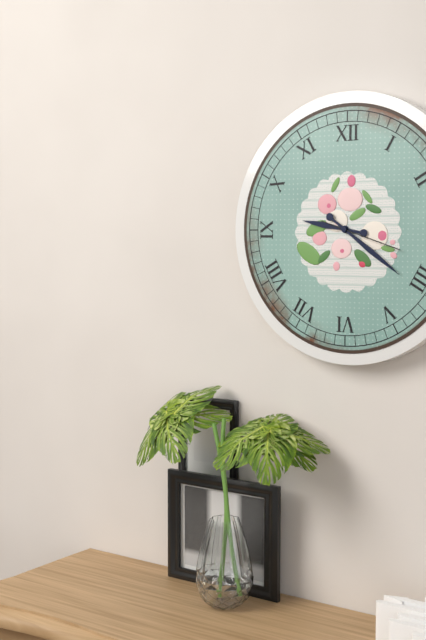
9:21:18
